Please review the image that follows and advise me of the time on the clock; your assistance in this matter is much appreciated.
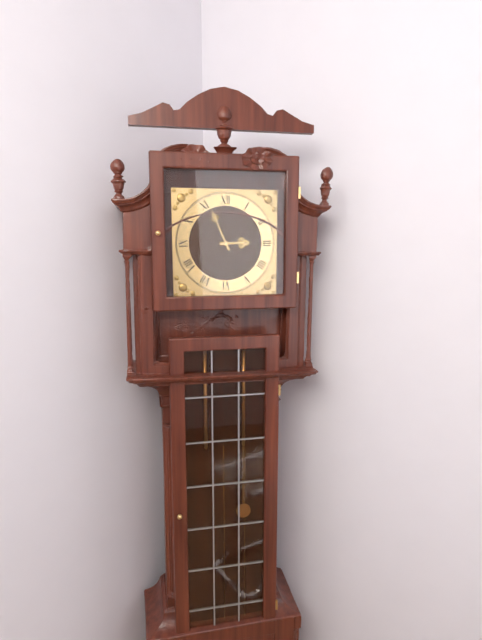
2:56
